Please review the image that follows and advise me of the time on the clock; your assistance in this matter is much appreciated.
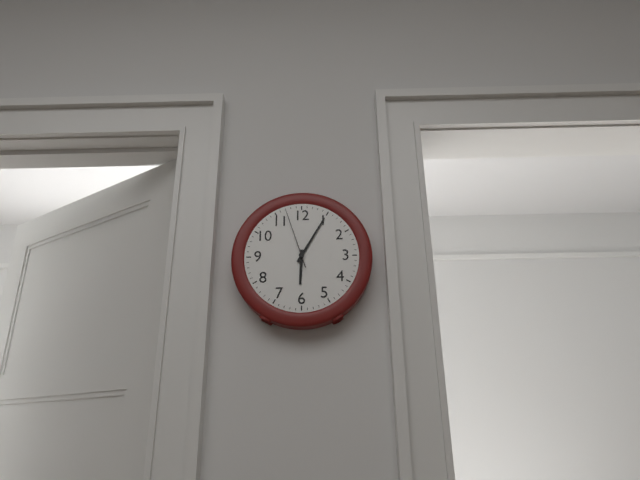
6:05:57
